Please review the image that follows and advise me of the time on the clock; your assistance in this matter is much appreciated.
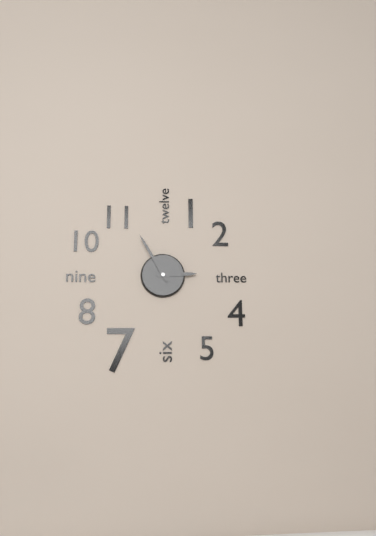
2:55
